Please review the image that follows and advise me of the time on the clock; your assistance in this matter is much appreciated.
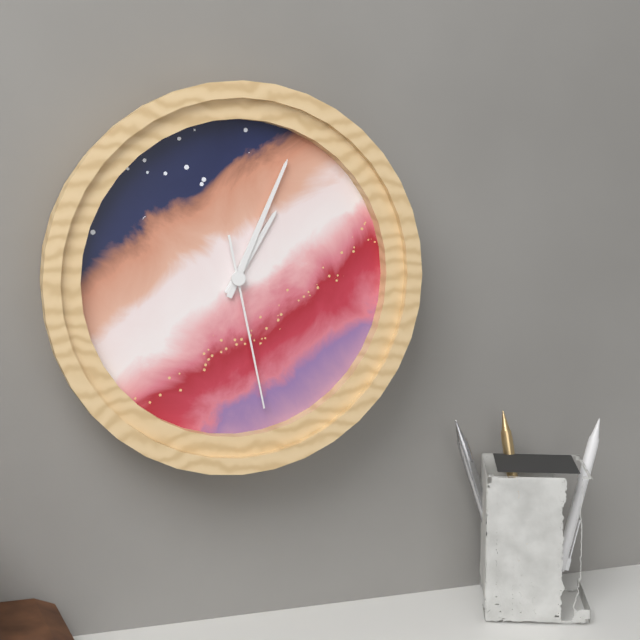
1:04:28
